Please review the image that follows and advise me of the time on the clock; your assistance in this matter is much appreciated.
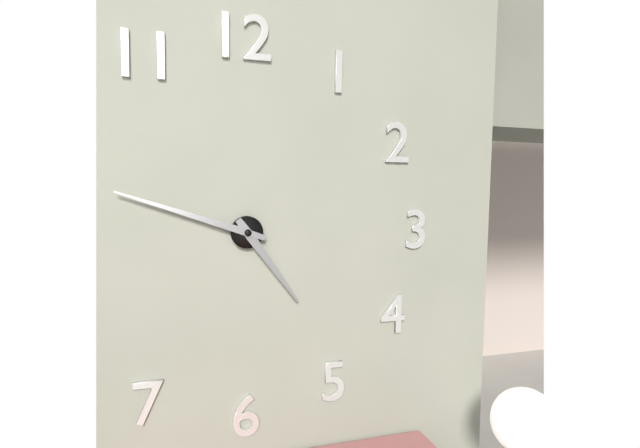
4:48
